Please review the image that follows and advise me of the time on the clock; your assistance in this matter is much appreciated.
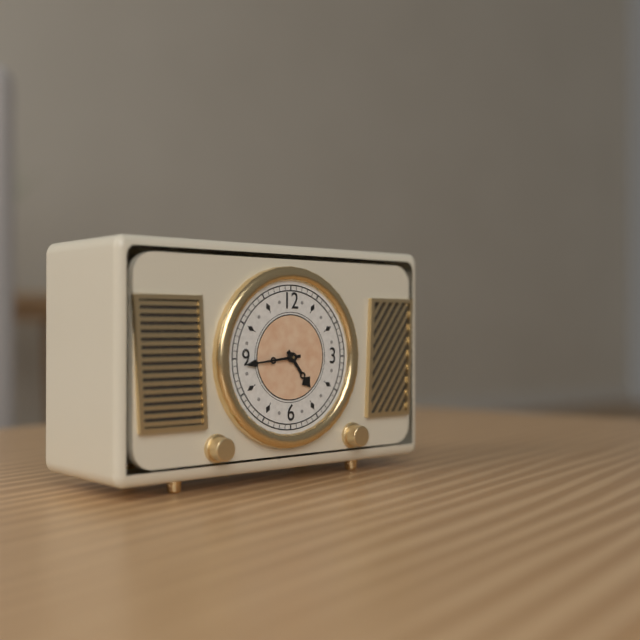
4:44
